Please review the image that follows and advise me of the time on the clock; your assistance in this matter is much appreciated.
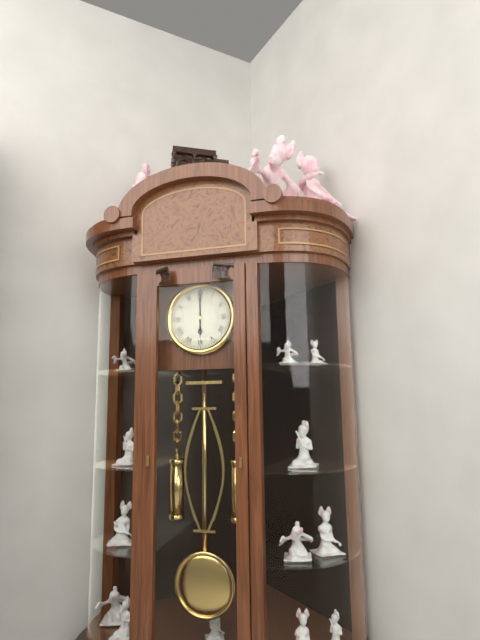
6:00
